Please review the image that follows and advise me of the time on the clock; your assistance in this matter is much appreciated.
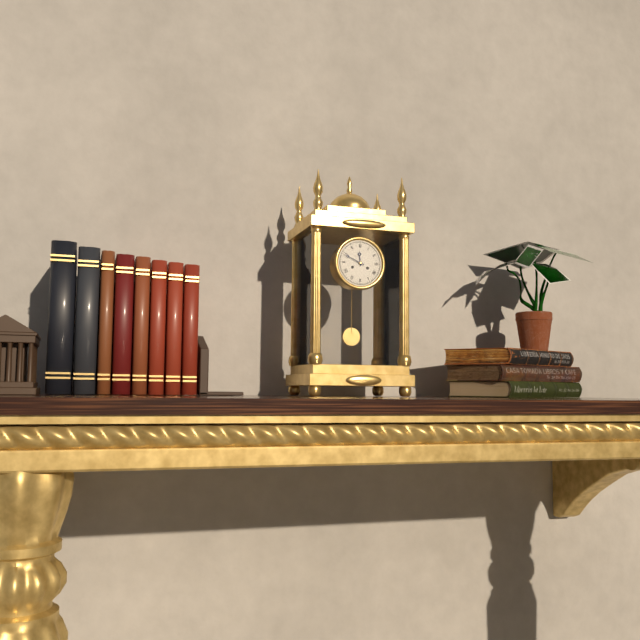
11:49
